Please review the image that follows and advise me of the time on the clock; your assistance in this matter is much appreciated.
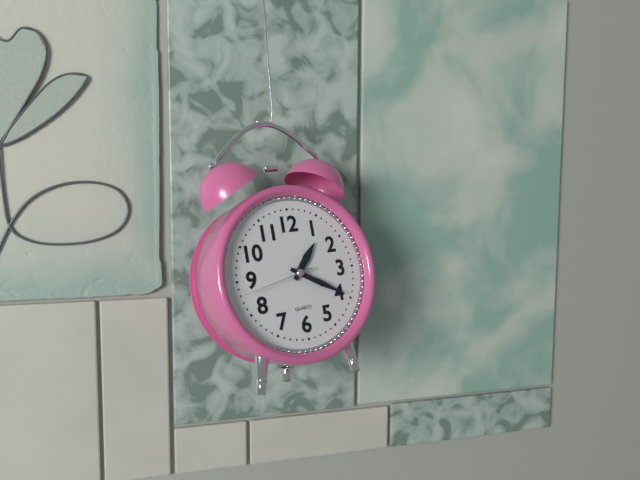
1:20:43
